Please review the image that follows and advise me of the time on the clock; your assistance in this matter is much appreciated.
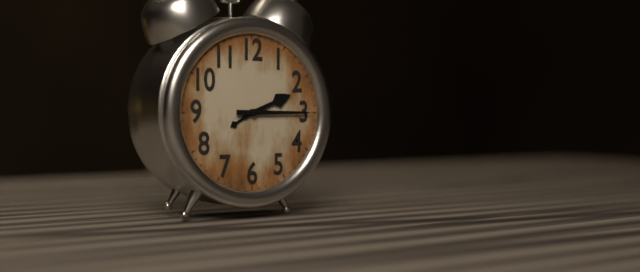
2:15
